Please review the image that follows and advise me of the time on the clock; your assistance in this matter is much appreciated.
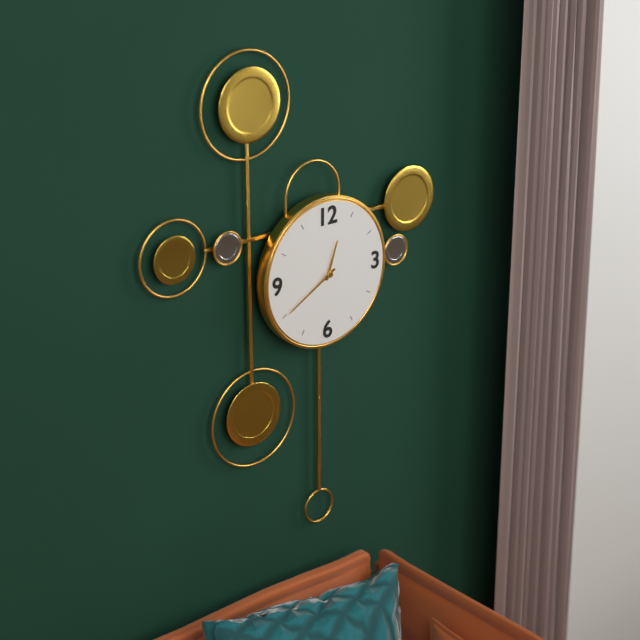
12:40
